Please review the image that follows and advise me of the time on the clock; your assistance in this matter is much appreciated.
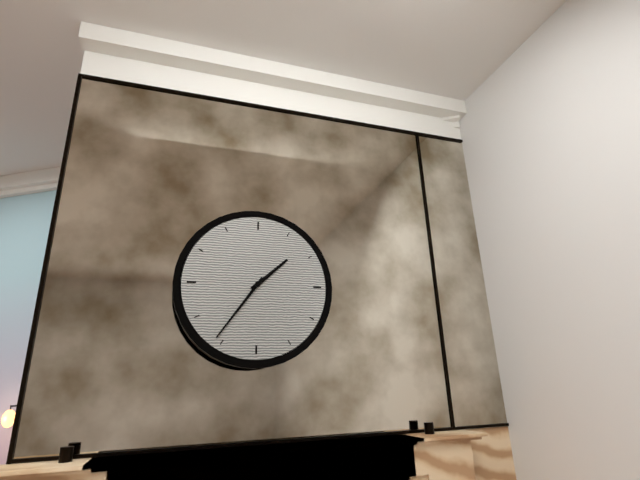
1:36
